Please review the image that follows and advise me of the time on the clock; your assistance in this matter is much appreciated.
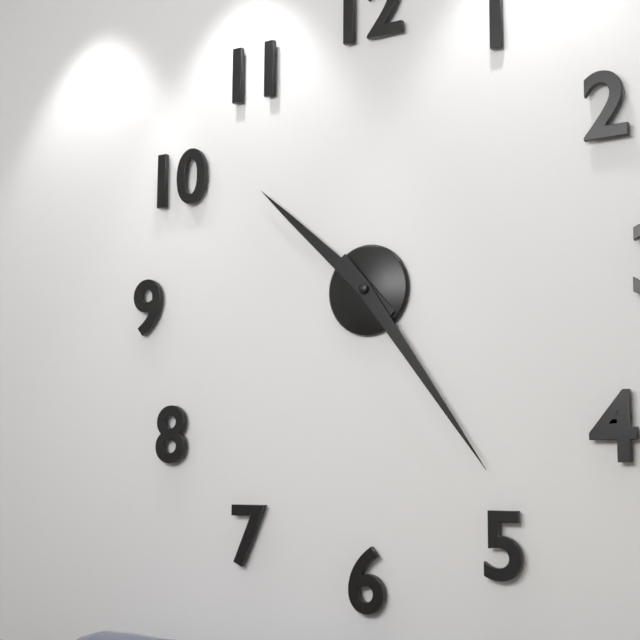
10:24
